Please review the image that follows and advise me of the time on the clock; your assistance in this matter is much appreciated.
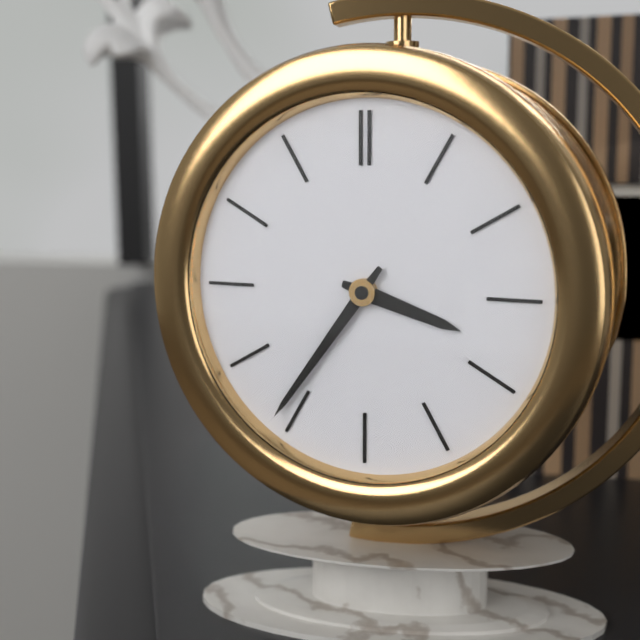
3:36
